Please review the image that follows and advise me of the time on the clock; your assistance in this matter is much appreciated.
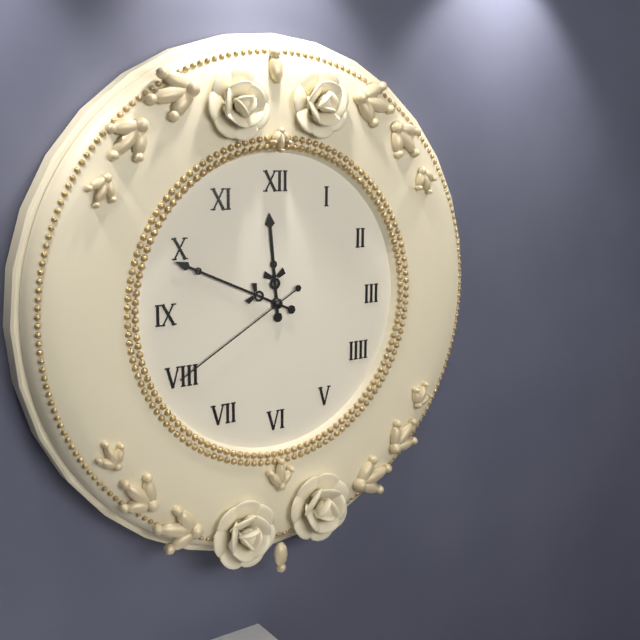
11:49:40
